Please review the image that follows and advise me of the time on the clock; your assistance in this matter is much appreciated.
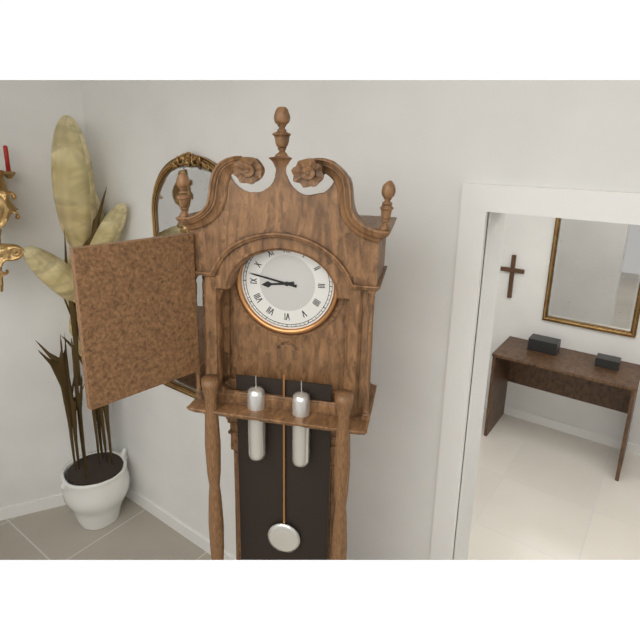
8:47
